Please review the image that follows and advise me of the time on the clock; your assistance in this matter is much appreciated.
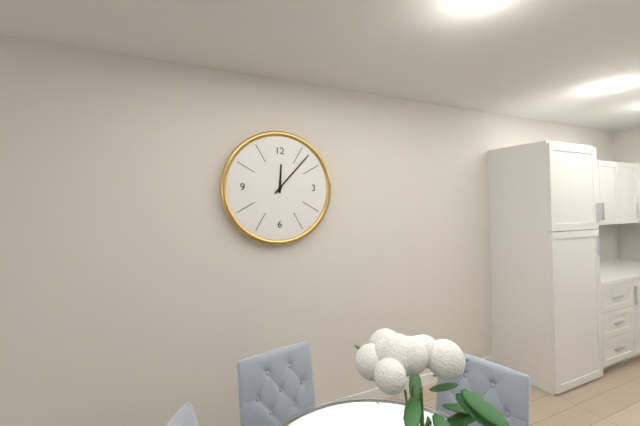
12:07
